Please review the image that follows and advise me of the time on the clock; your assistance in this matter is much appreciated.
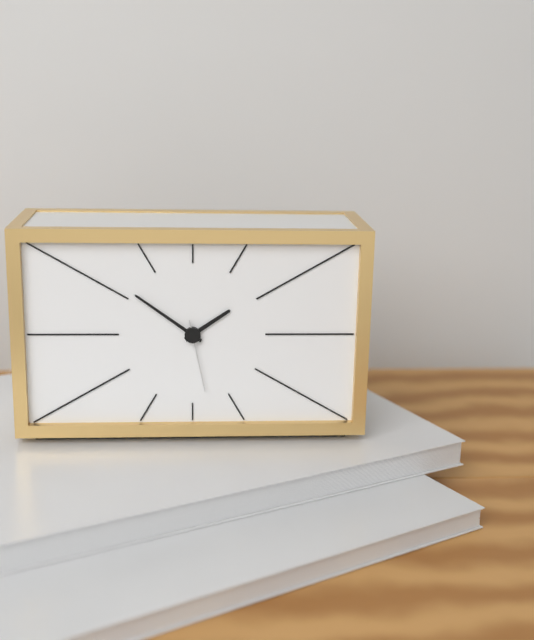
1:51:28
